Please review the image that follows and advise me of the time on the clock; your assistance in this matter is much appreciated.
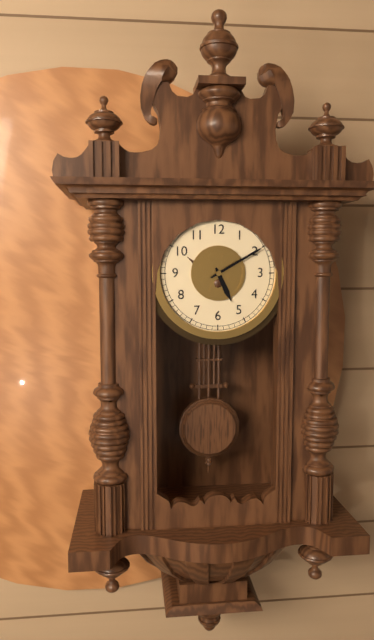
5:10
